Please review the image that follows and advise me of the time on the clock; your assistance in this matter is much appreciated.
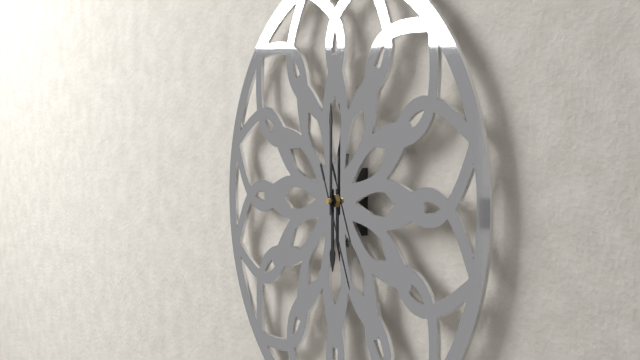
6:00:26
